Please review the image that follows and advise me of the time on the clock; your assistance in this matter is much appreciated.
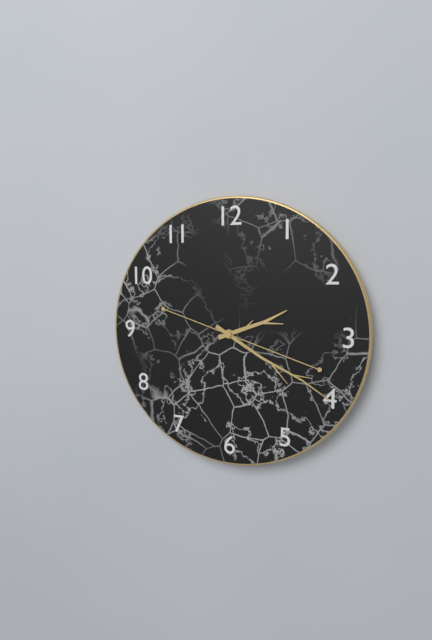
2:20:18
